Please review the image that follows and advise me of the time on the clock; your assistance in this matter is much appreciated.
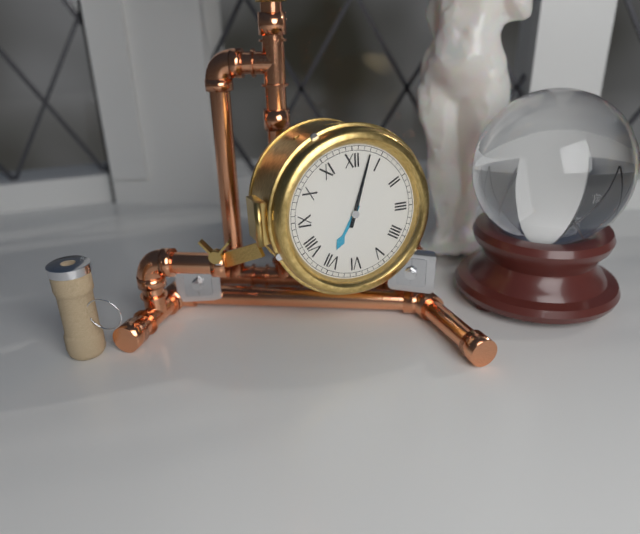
7:03
